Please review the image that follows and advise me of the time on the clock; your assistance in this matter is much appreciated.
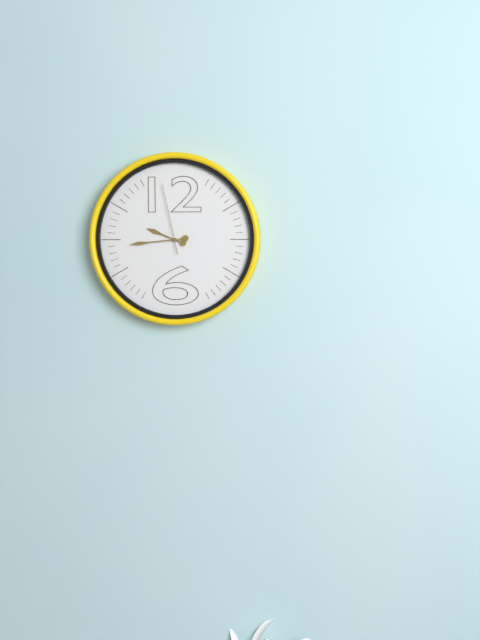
9:44:58
